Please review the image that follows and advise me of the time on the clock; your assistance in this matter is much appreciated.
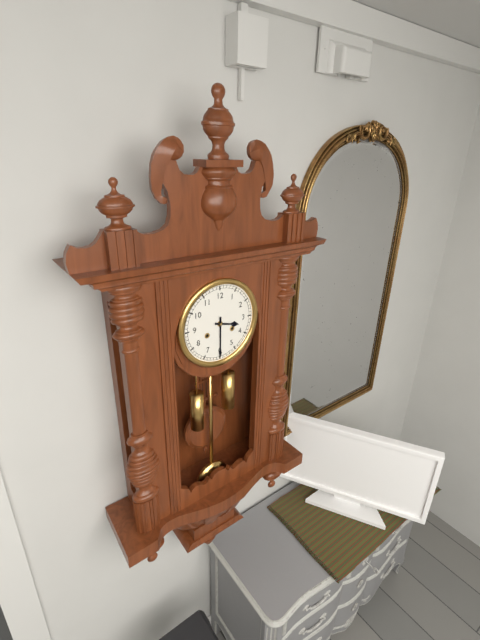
3:30
